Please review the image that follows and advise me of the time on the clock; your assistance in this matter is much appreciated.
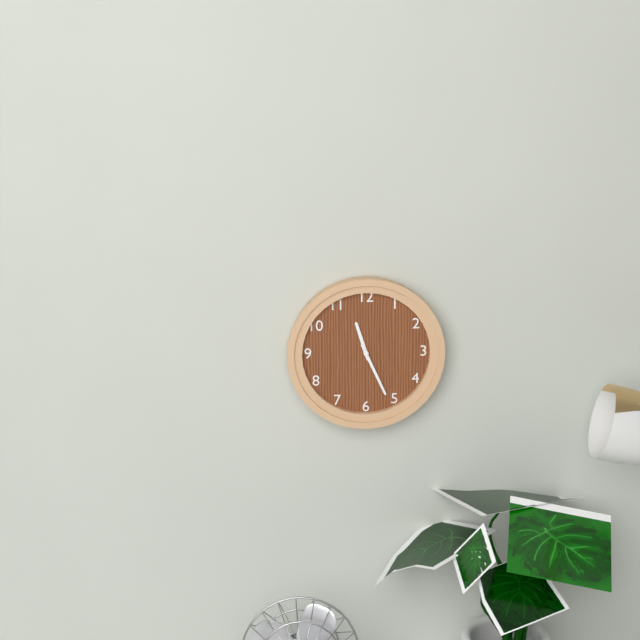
11:26
